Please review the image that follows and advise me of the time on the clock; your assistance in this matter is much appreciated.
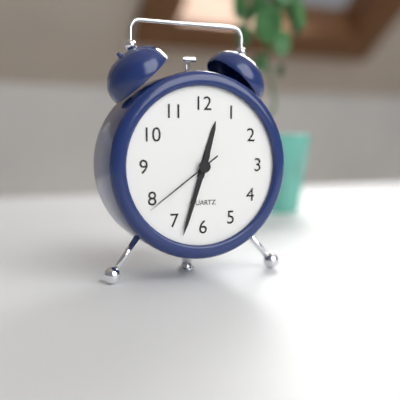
12:33:39
